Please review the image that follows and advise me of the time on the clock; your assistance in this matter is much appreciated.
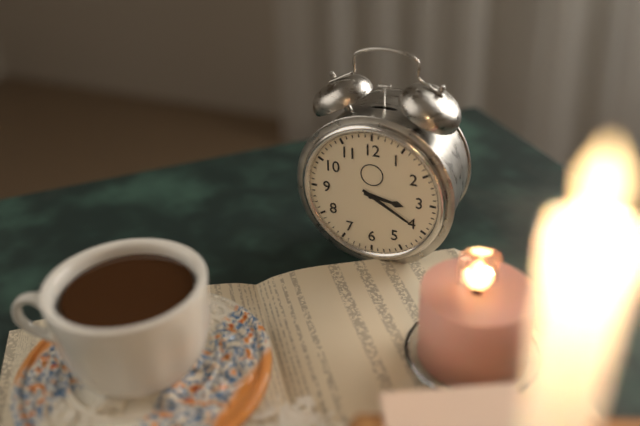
3:20
